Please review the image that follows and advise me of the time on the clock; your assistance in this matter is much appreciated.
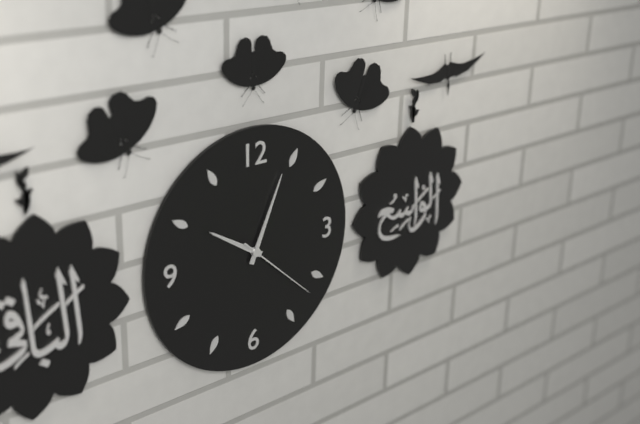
10:04:22
